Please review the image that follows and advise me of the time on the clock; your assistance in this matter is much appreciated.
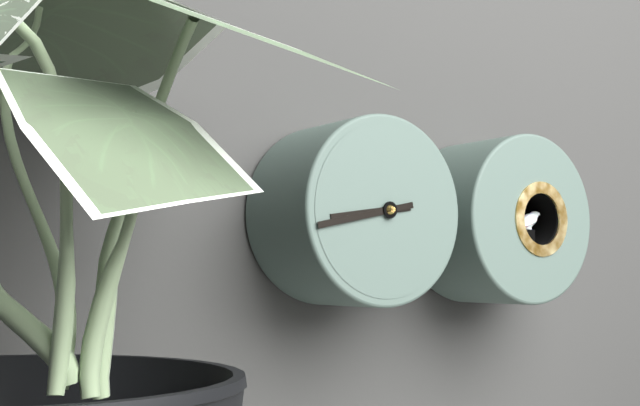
8:43
